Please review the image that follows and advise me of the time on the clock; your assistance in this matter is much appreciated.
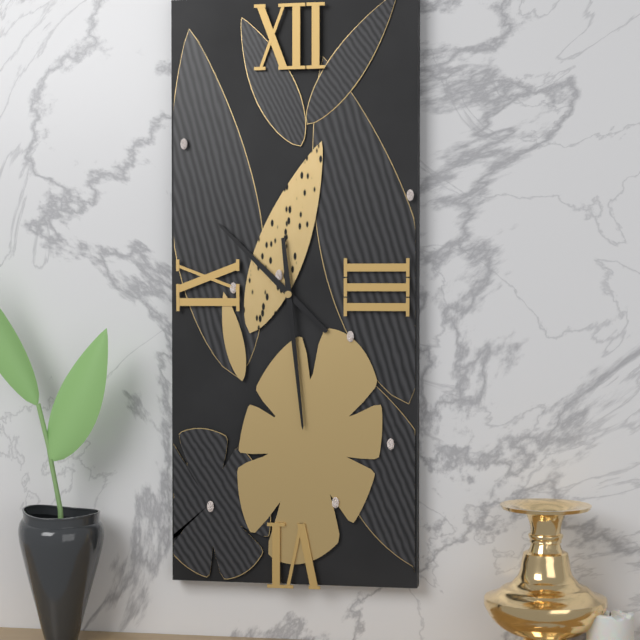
10:29
